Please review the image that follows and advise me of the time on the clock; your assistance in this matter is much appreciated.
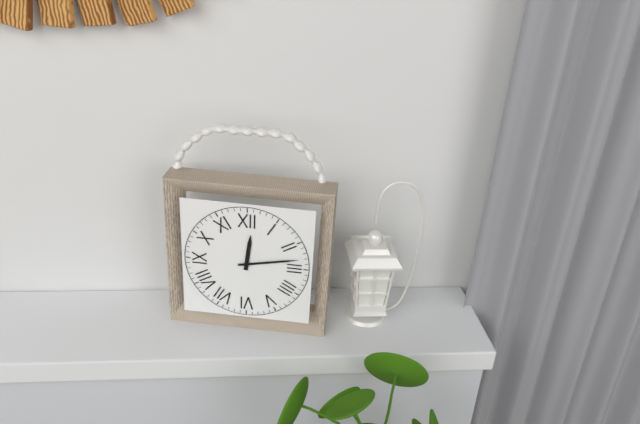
12:13
